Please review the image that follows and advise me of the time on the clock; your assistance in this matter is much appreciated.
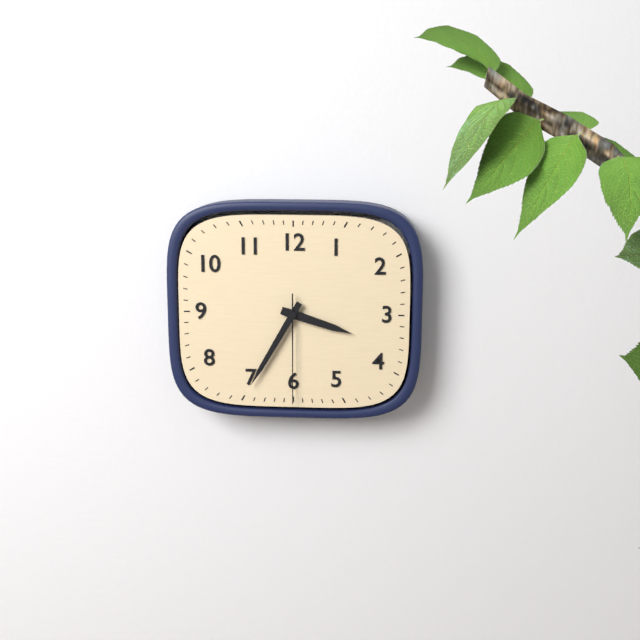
3:35:30
